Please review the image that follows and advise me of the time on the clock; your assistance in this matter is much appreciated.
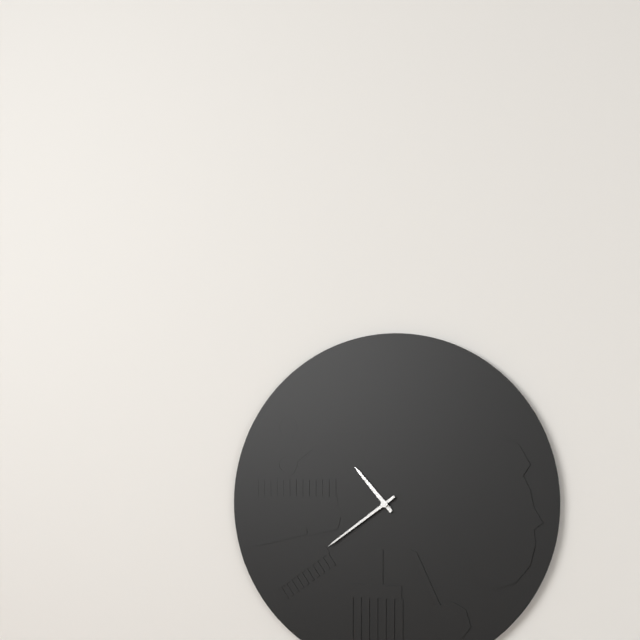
10:39
